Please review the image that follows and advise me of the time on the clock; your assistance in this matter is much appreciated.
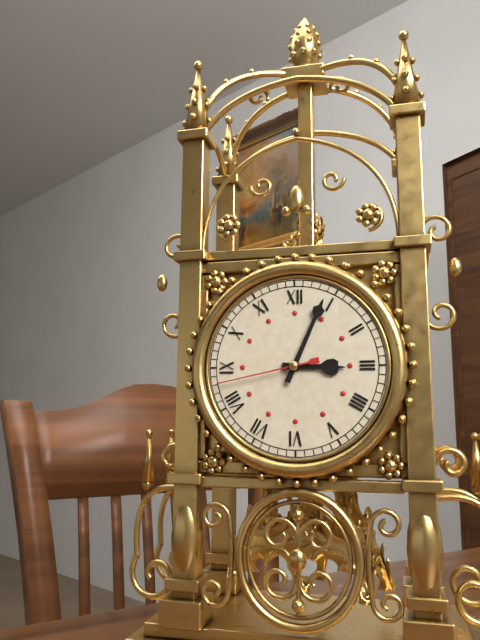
3:04:43
